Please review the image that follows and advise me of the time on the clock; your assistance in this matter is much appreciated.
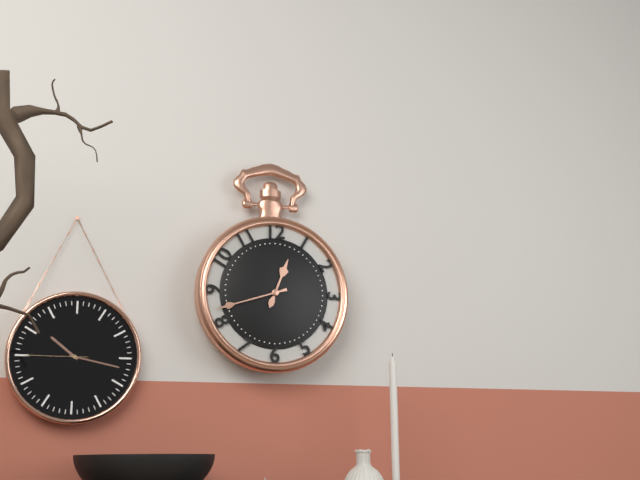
12:42
